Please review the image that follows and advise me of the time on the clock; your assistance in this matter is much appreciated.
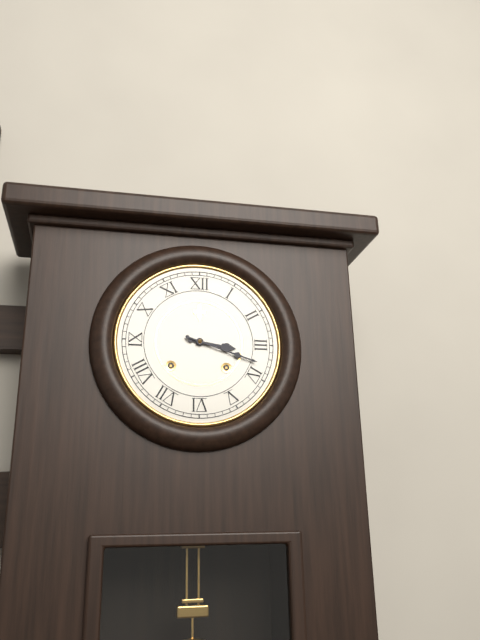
3:18
